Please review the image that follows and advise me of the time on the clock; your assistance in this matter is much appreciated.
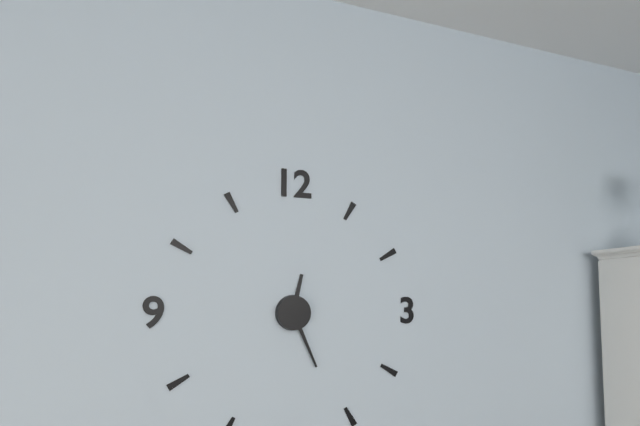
12:26
